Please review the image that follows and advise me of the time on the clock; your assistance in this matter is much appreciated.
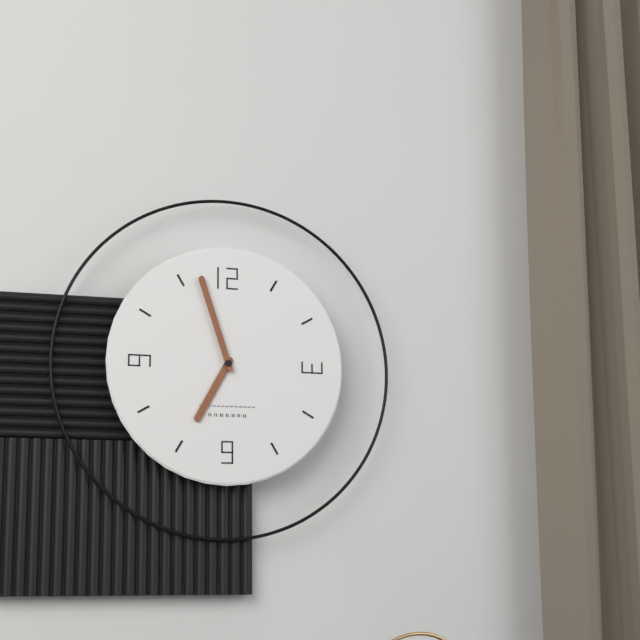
6:57
